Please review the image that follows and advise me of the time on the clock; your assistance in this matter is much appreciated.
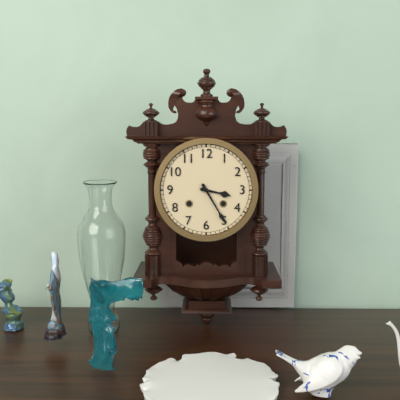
3:25
